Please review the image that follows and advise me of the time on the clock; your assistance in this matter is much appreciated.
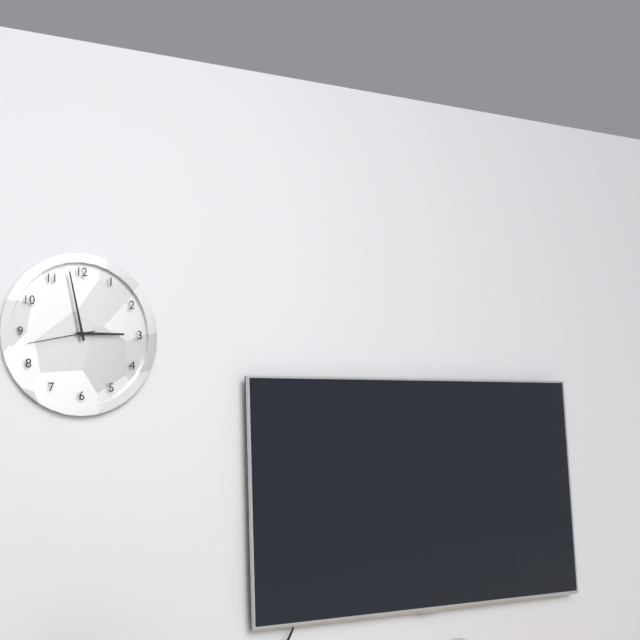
2:58:43
